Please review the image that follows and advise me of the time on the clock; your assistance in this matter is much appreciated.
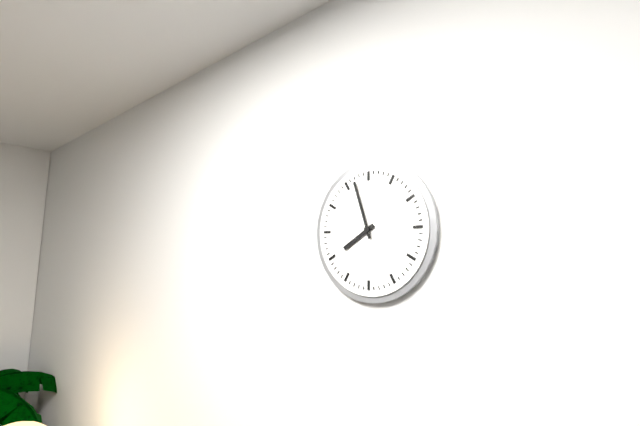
7:57
